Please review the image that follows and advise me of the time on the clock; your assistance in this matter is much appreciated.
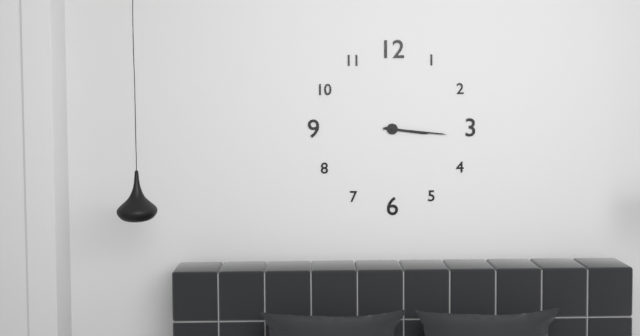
3:16
